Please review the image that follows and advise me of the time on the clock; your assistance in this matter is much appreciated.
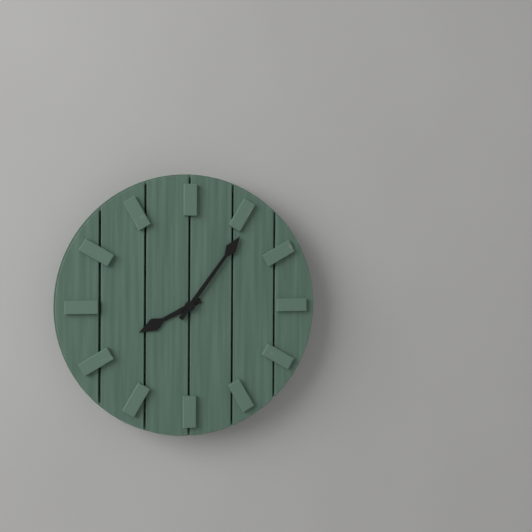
8:06
